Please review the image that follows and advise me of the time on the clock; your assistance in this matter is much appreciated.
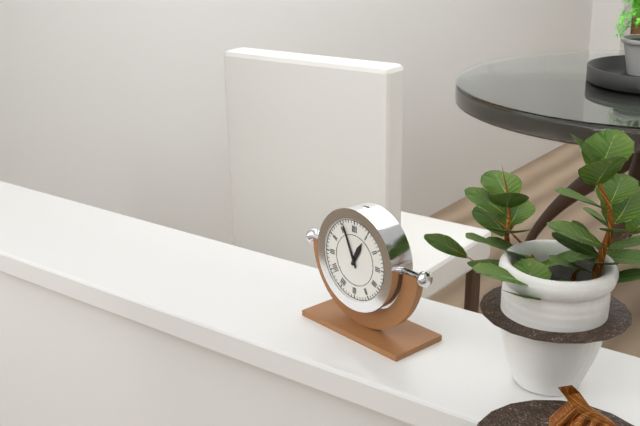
12:56
